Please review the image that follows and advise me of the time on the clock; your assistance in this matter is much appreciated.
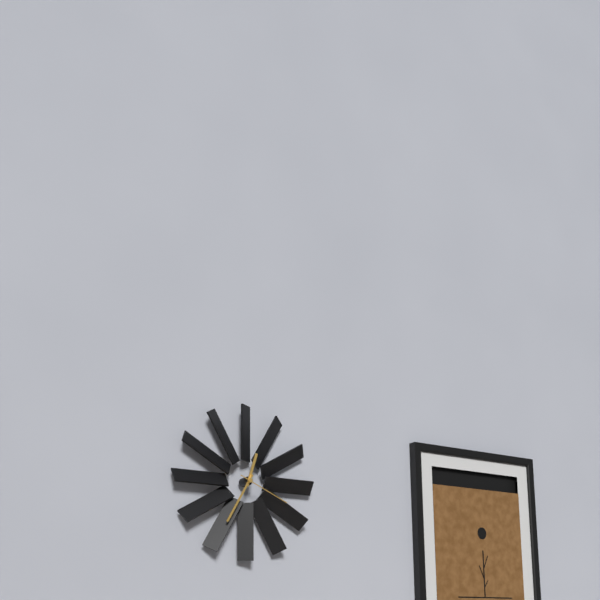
12:35:19
